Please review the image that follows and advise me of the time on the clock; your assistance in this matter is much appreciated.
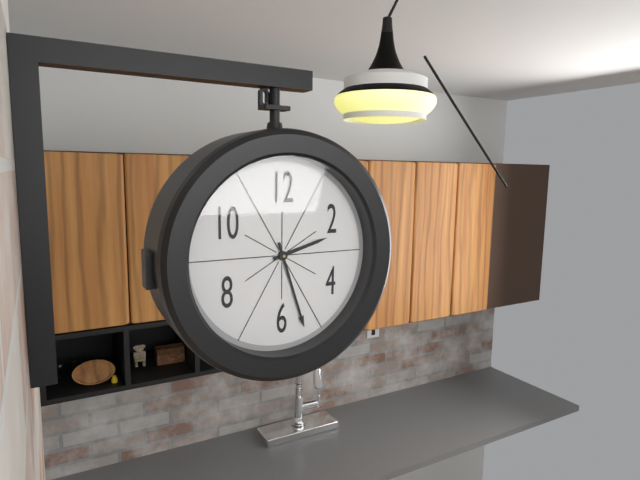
2:27
